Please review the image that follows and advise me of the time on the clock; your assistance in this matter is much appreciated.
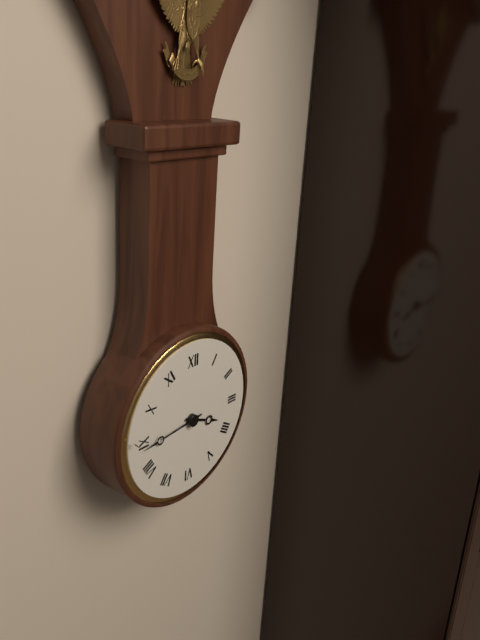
3:44
